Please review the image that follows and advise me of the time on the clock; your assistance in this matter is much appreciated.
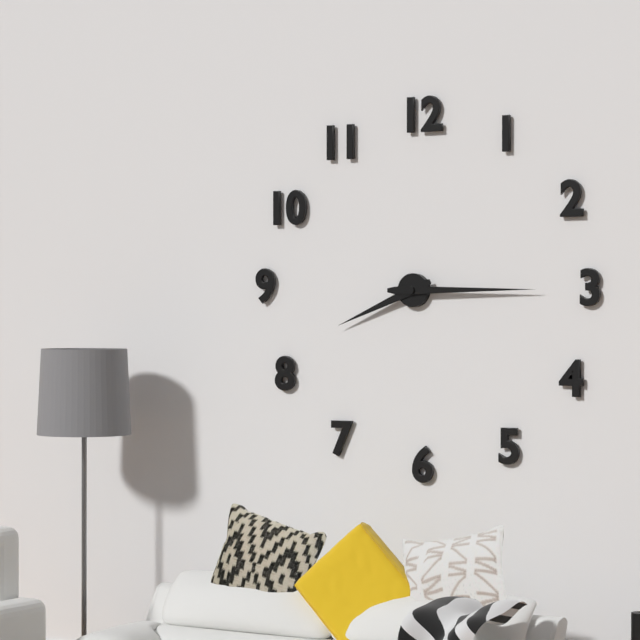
8:15
